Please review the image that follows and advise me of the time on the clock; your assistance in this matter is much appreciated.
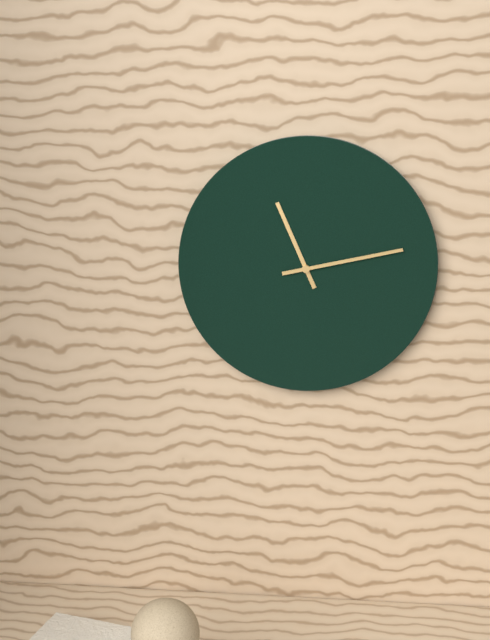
11:13
